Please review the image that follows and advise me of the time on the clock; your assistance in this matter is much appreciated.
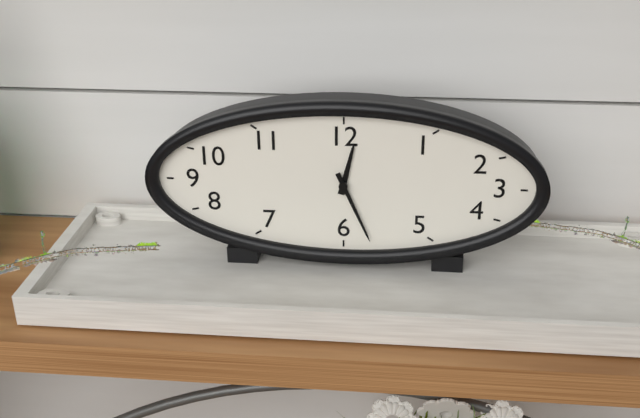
12:26
